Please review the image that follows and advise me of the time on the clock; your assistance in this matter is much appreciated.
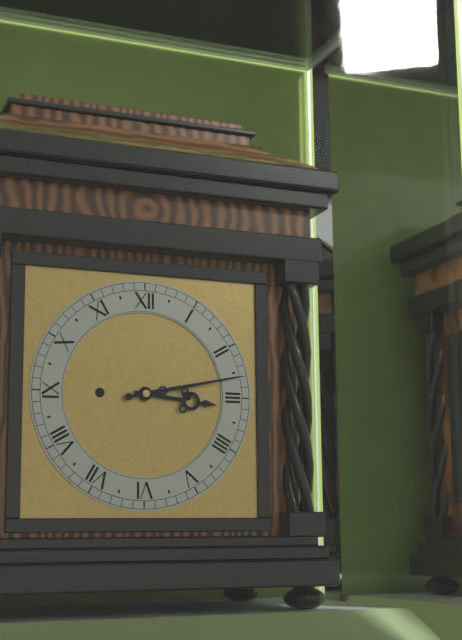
3:13
